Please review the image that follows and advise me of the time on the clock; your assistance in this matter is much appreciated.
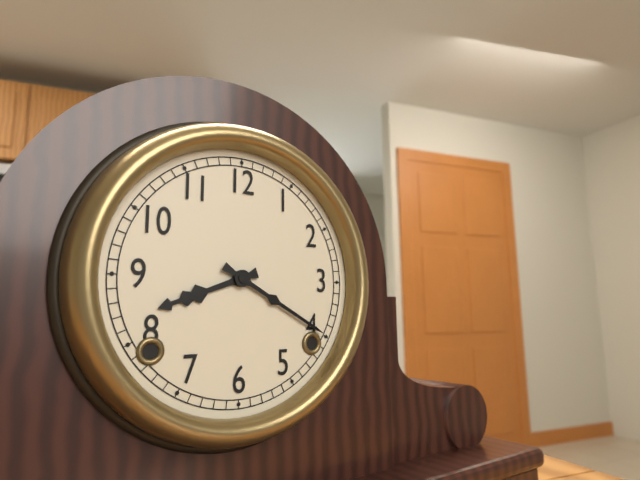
8:20
